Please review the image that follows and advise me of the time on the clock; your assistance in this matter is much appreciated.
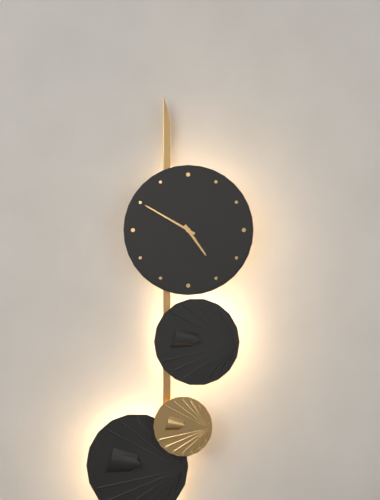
4:50
